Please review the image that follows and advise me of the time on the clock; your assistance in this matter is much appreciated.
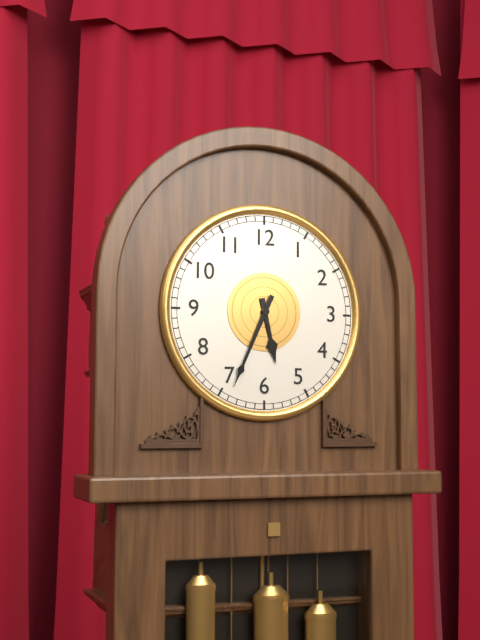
5:34
